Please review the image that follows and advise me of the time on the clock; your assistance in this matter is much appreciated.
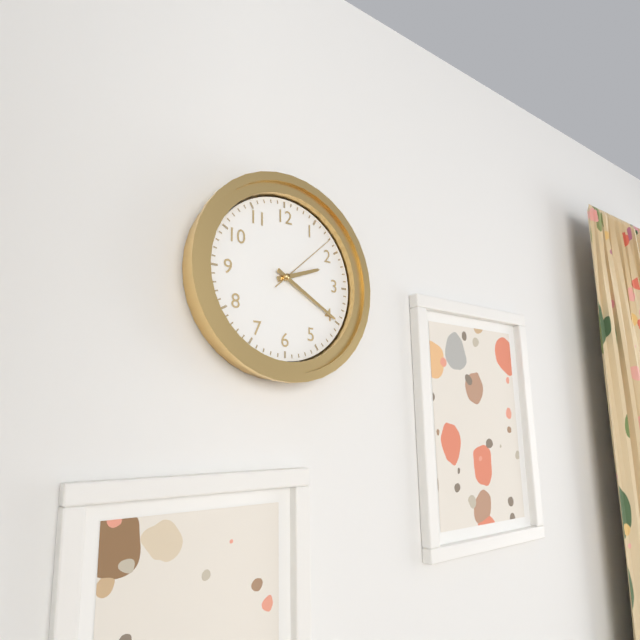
2:20:08
